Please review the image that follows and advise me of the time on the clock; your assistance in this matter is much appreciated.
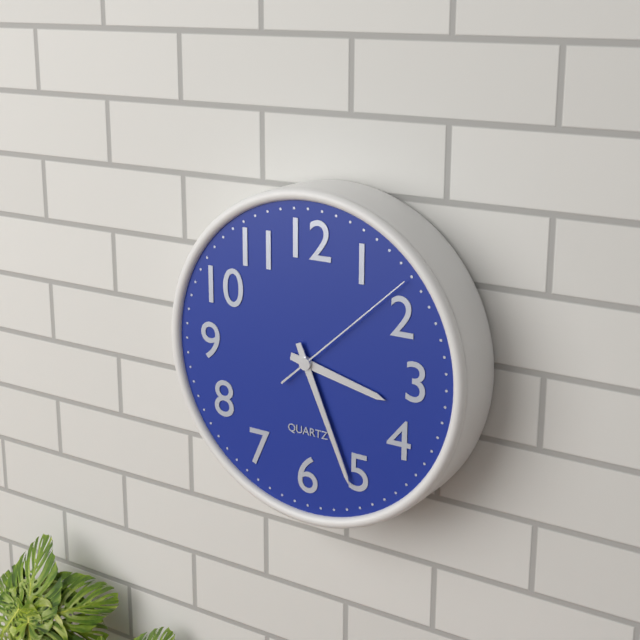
3:26:08
